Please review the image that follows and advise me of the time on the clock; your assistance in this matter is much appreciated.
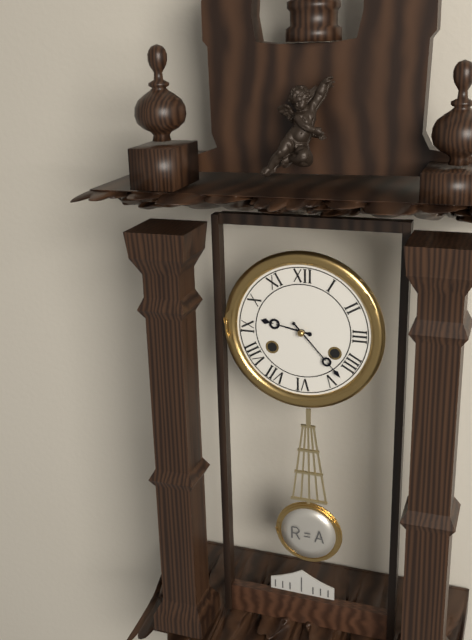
9:23
